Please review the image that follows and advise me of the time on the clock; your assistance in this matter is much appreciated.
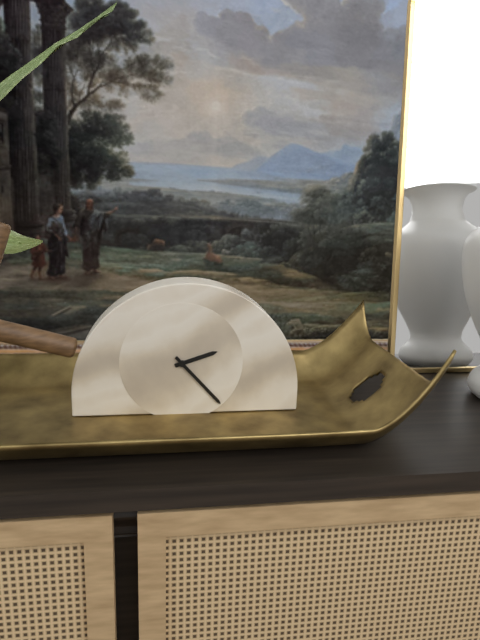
2:23
